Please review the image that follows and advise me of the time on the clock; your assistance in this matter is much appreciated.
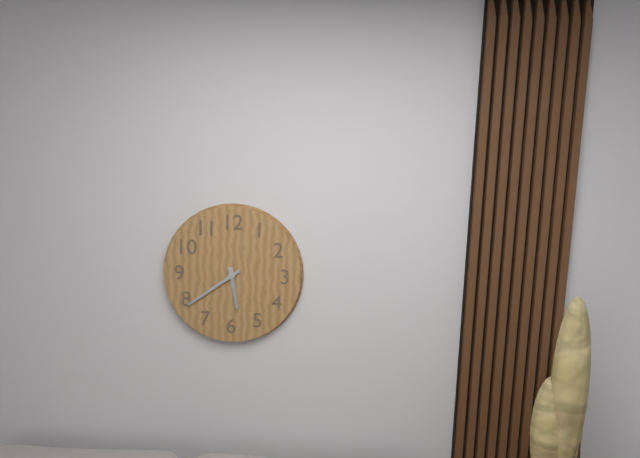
5:39
